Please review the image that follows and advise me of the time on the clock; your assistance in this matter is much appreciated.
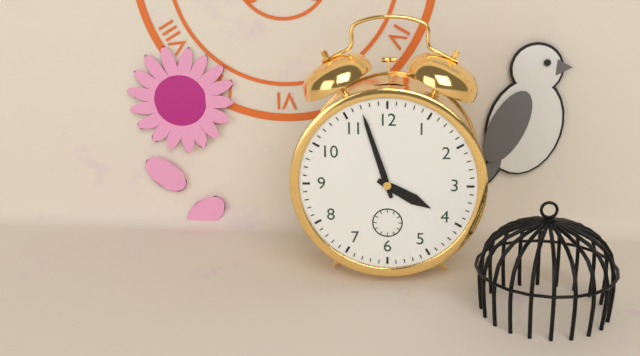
3:57
